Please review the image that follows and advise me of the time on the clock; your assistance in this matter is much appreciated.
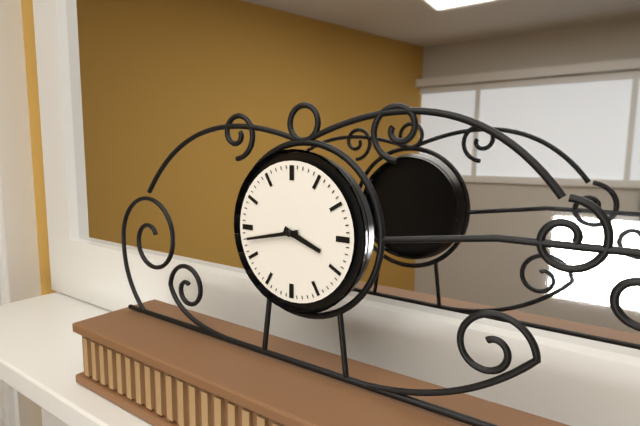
3:43
